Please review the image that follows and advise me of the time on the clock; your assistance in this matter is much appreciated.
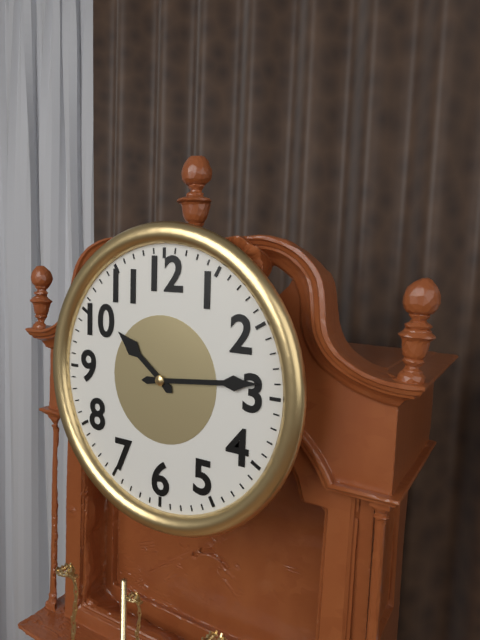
10:14
